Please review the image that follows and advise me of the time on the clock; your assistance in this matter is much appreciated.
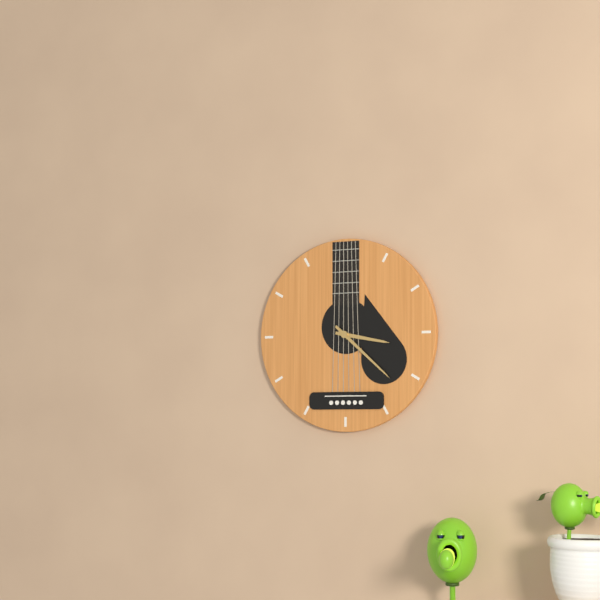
3:22
